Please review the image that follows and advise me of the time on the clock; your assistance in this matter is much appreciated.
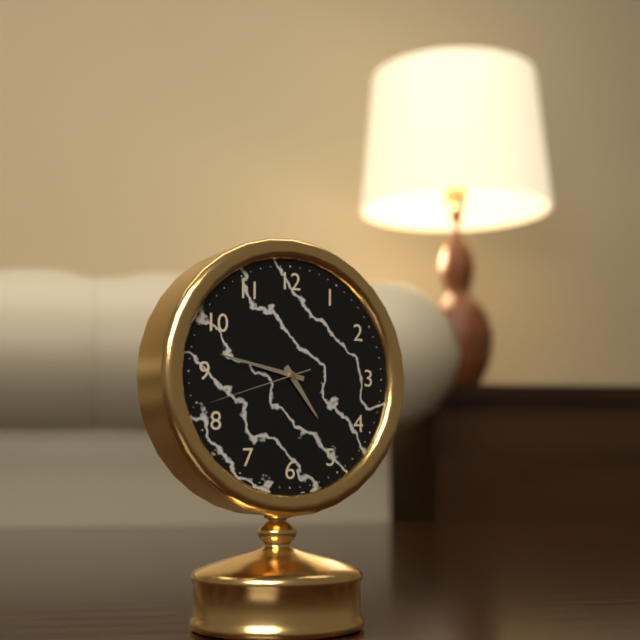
4:47:42
